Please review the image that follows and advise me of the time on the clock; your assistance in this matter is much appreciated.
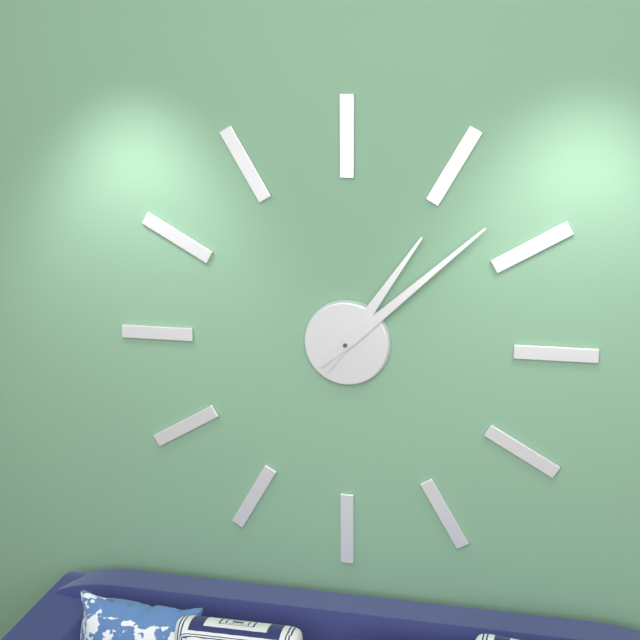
1:08
